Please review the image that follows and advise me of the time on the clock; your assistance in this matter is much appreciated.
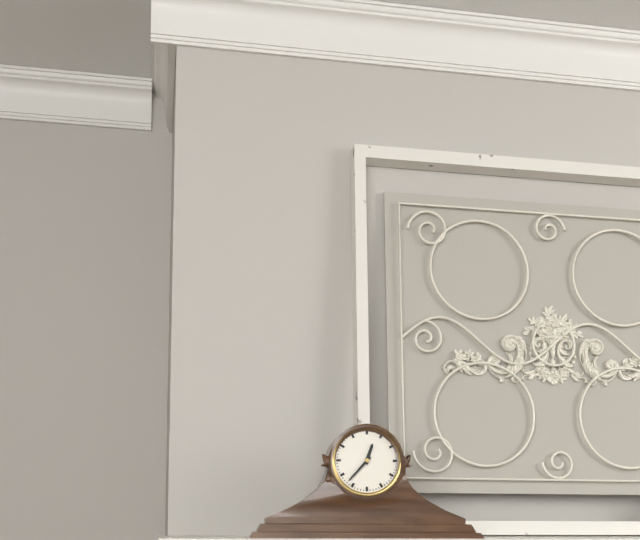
12:37
